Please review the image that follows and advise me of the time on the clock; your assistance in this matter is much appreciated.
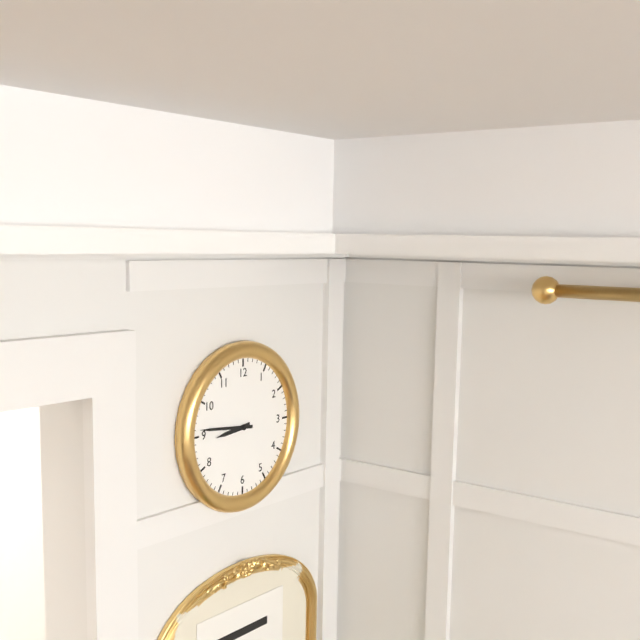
8:46
